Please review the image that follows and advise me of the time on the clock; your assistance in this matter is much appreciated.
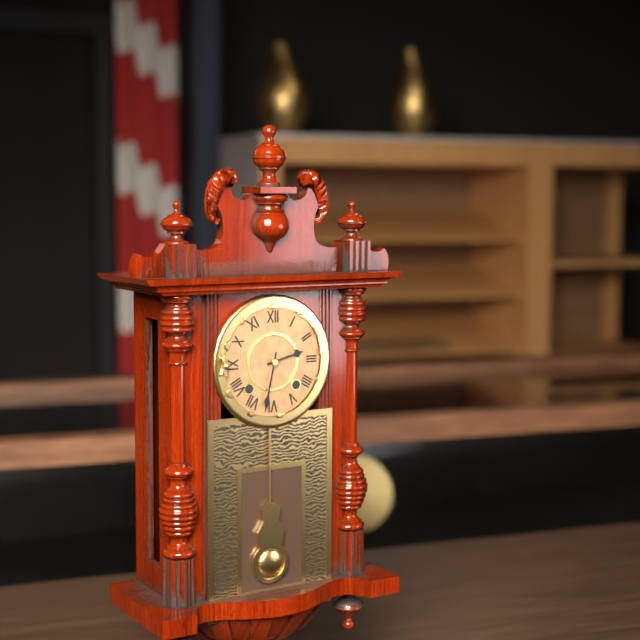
2:32
